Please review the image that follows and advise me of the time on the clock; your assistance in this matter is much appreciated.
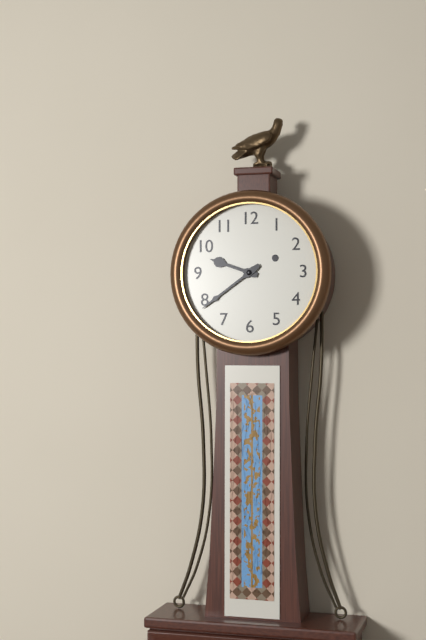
9:39
